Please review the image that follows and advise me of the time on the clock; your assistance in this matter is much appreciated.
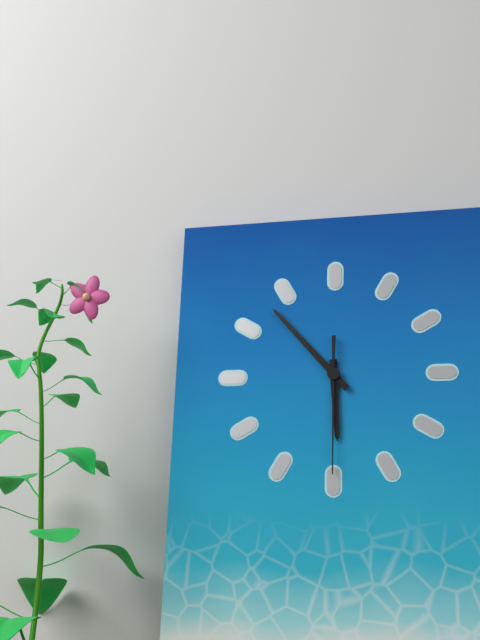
5:53:30
